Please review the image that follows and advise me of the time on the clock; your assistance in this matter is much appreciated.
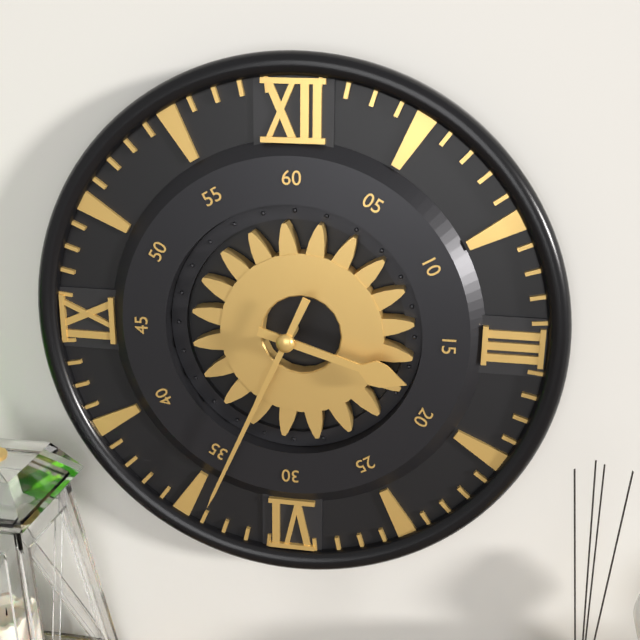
3:34
